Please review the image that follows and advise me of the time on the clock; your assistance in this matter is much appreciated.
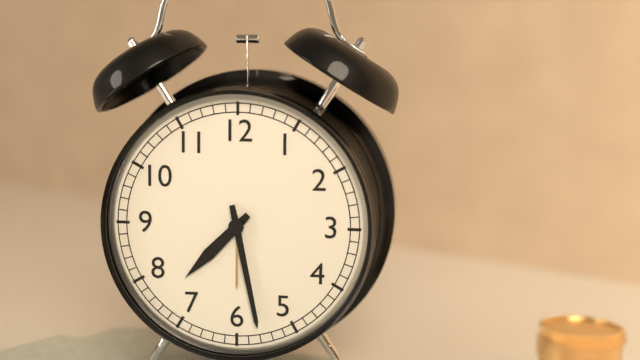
7:28
